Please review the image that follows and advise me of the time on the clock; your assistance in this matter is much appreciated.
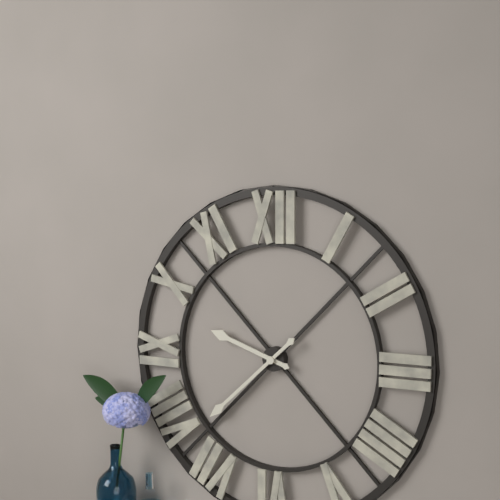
9:38
